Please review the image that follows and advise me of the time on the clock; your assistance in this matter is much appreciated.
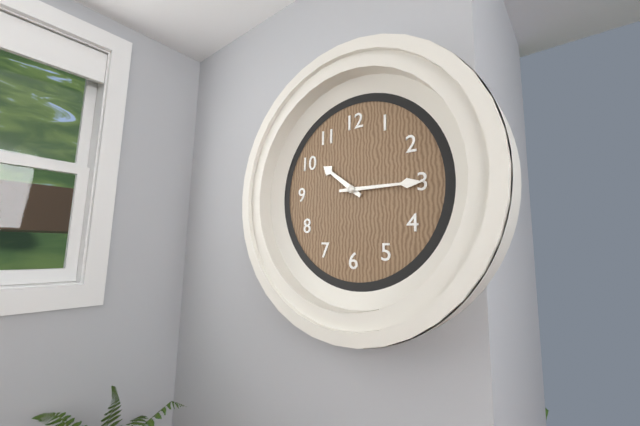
10:15
